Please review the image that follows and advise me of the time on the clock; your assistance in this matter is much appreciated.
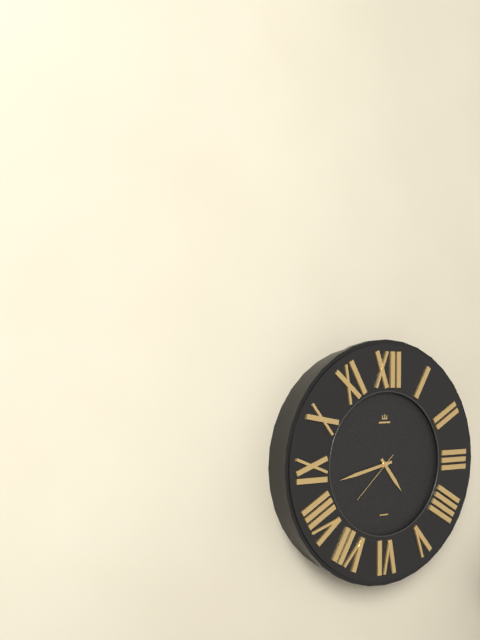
4:43
